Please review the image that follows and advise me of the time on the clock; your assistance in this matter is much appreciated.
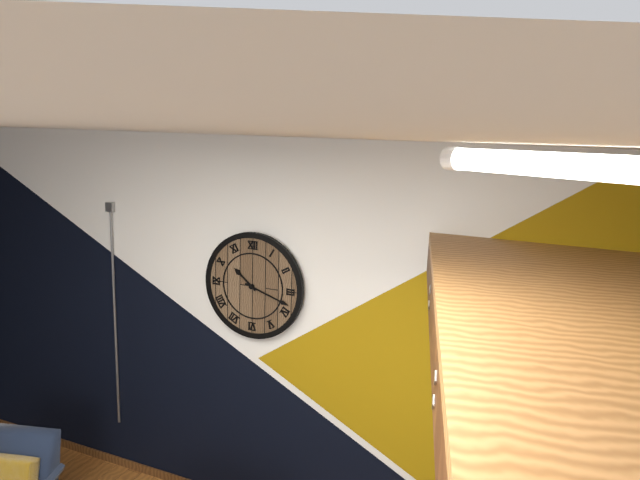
10:18
